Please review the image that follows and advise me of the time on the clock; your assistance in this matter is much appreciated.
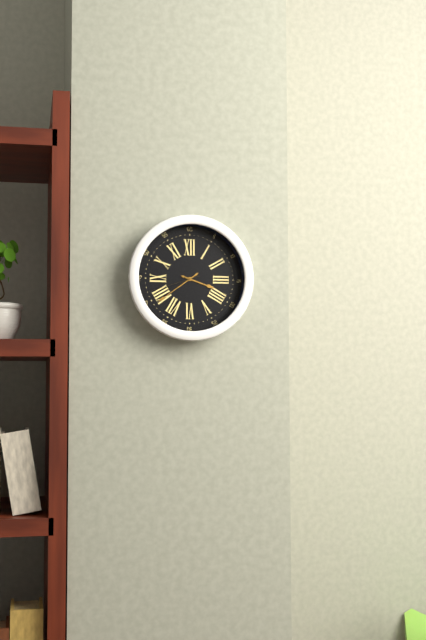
3:39:42
